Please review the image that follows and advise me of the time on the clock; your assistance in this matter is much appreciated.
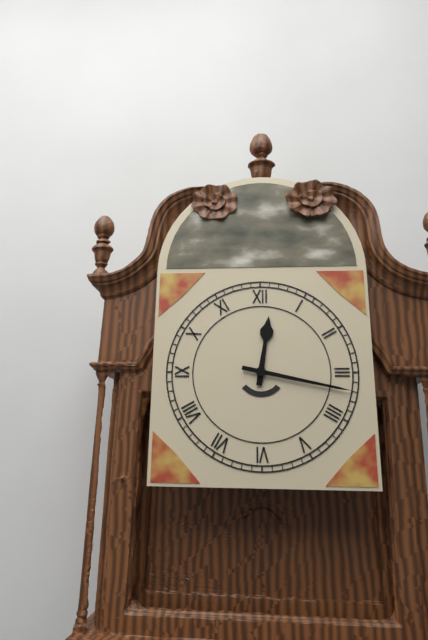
12:17
